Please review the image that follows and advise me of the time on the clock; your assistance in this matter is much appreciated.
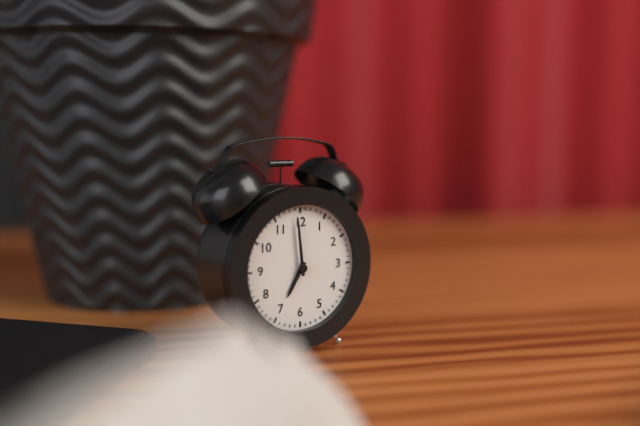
6:59
